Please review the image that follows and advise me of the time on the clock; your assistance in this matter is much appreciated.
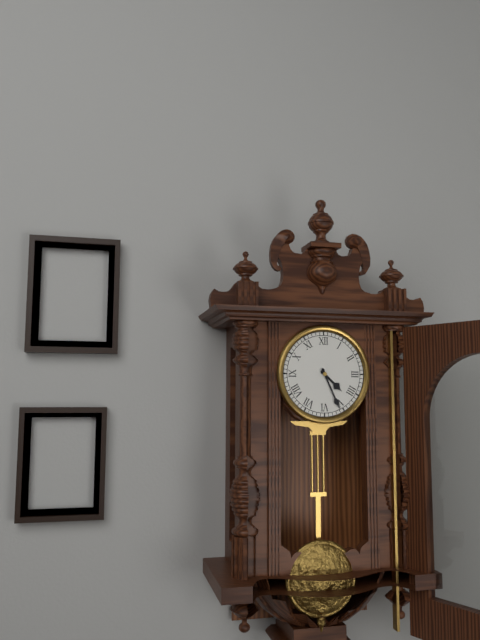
4:26
